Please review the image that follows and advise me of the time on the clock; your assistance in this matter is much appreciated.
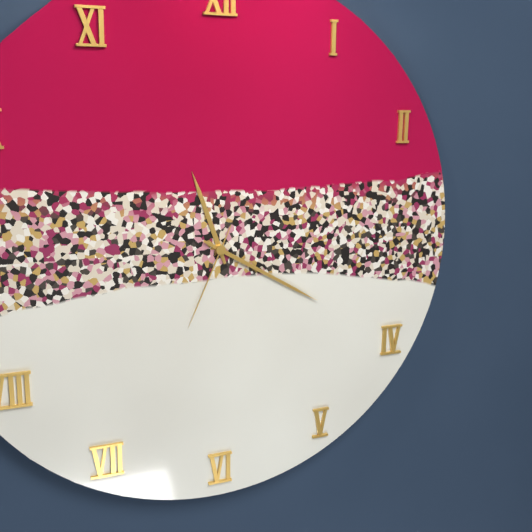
11:20:34
